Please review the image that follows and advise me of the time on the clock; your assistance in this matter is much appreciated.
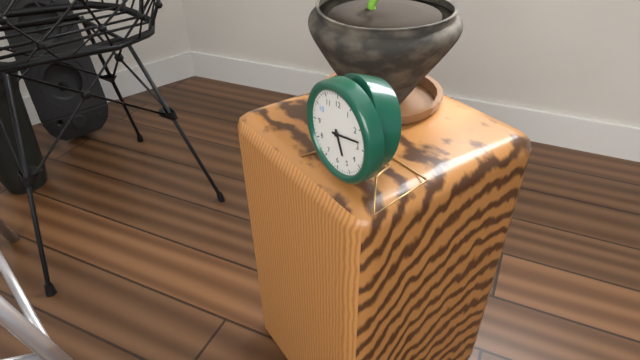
5:13
